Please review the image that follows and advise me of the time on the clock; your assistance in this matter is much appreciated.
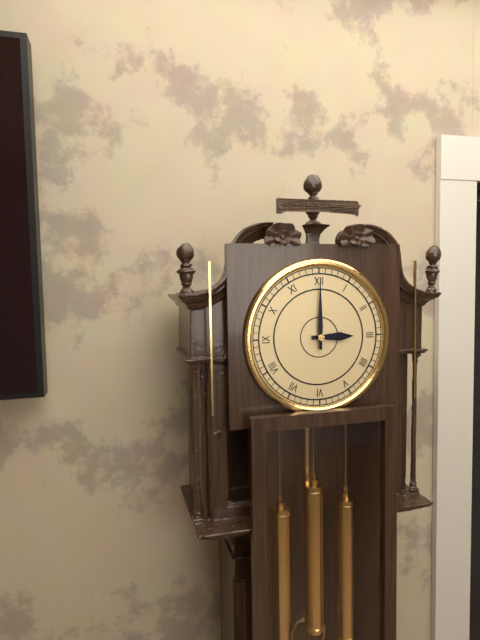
3:00
